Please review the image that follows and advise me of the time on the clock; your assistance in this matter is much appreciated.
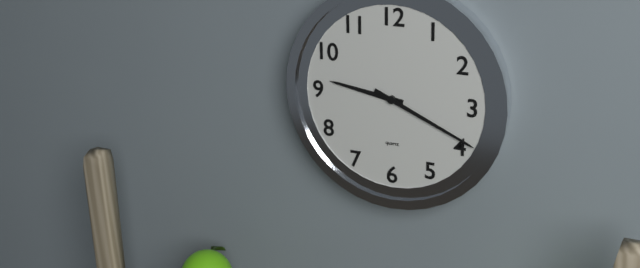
9:19
